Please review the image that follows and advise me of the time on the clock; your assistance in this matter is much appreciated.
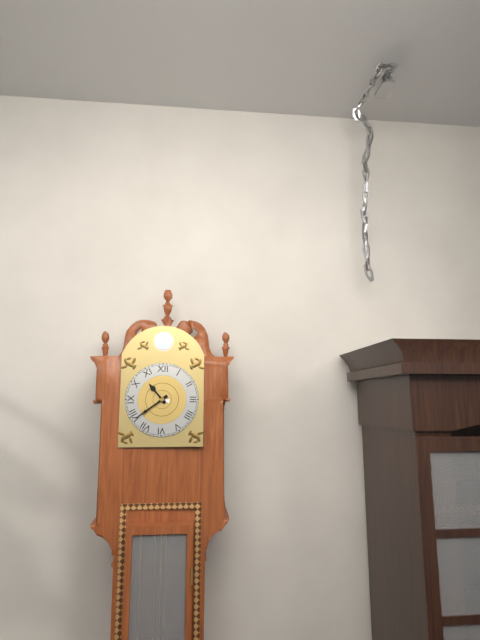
10:39
